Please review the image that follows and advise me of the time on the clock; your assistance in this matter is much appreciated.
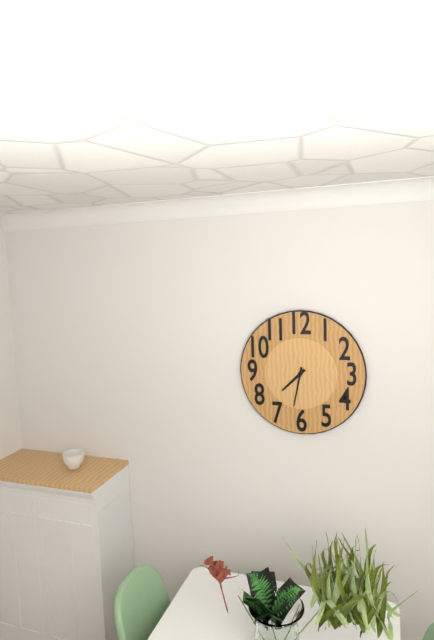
7:32
